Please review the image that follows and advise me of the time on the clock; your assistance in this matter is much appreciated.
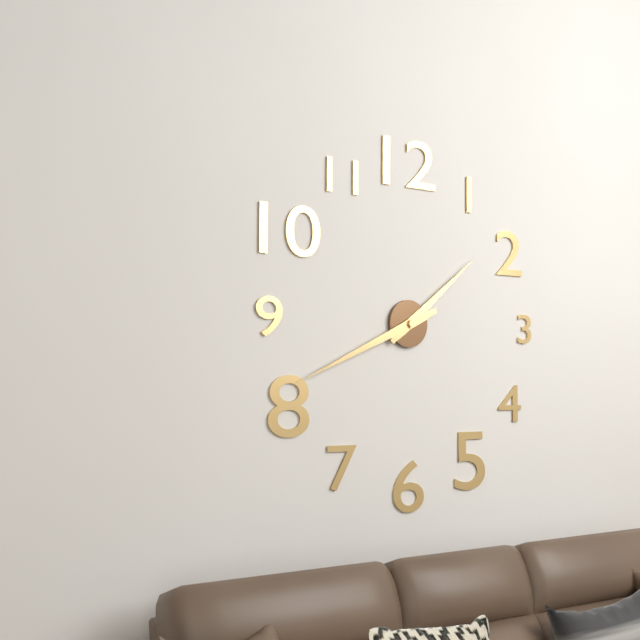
1:41
